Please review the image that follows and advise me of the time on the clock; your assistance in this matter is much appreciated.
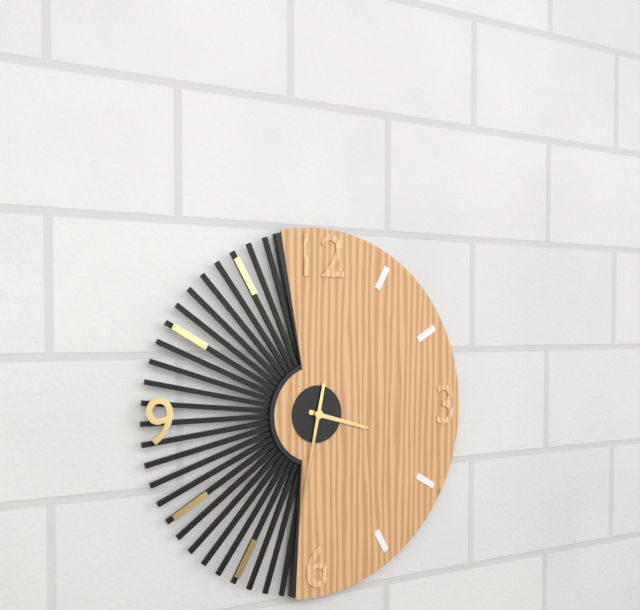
3:32
